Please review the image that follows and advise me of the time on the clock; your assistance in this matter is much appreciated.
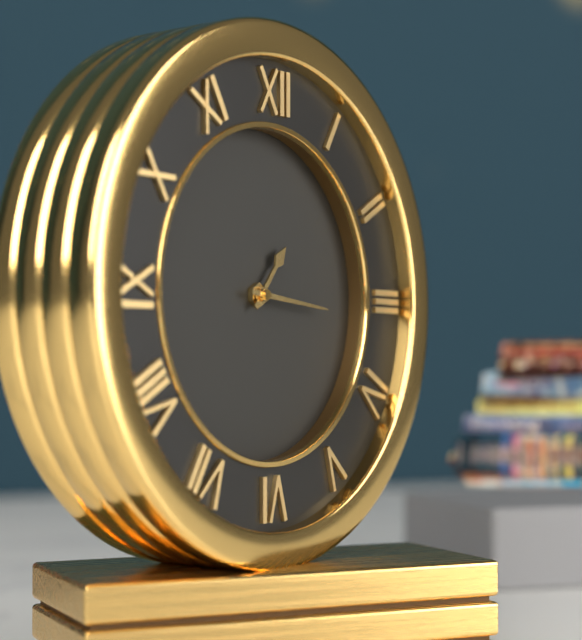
1:16
